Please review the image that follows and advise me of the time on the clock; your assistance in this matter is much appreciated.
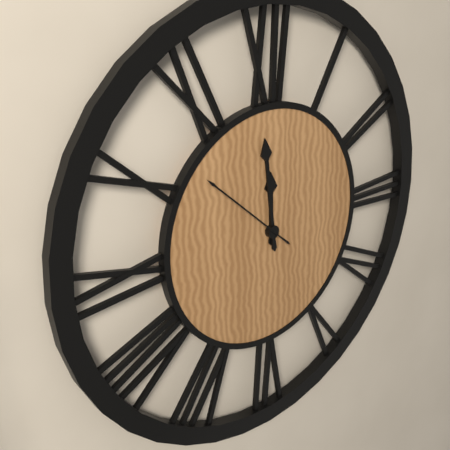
11:59:52
